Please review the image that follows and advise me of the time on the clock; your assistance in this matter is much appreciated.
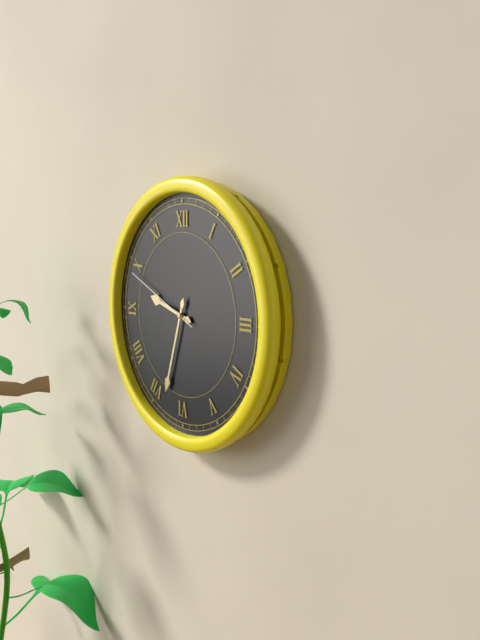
9:33:49
